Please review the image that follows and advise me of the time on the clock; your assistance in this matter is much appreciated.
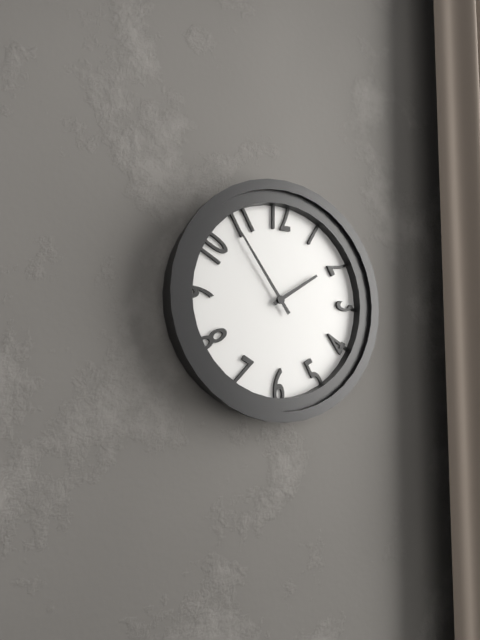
1:54
